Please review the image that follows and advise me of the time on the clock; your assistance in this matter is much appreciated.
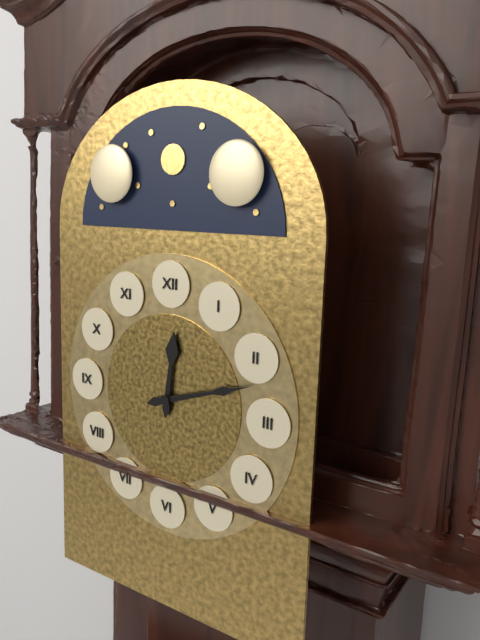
12:12
